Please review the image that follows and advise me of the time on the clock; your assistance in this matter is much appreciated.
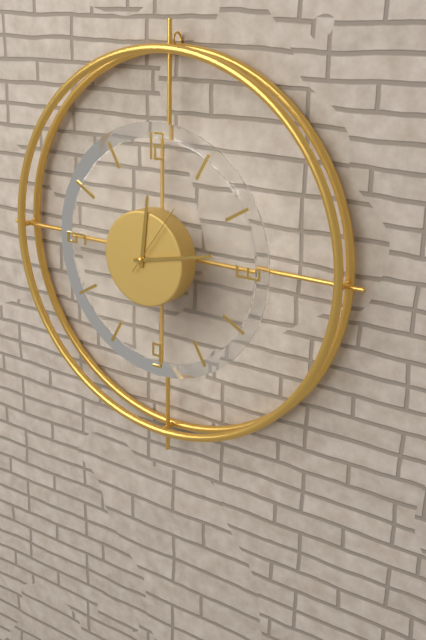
12:13:06
